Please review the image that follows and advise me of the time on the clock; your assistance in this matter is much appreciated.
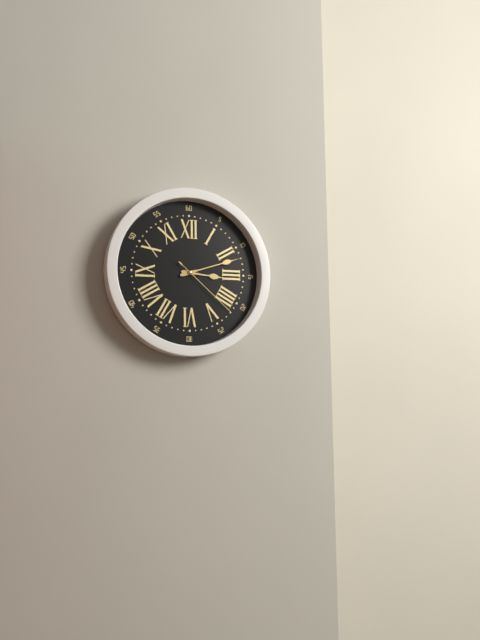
3:12:22
